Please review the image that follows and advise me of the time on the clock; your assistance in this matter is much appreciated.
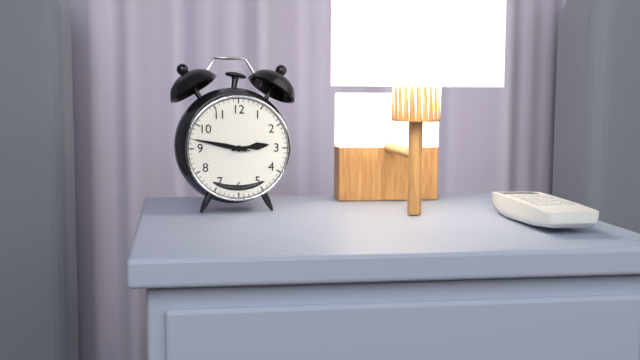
2:47:47
